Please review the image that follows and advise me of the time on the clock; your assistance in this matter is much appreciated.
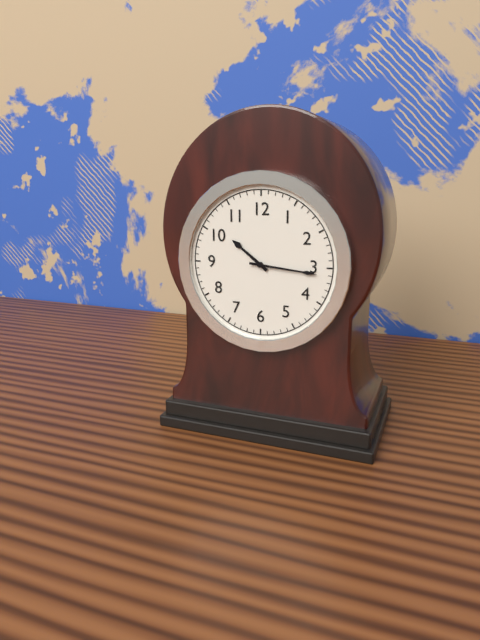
10:16
